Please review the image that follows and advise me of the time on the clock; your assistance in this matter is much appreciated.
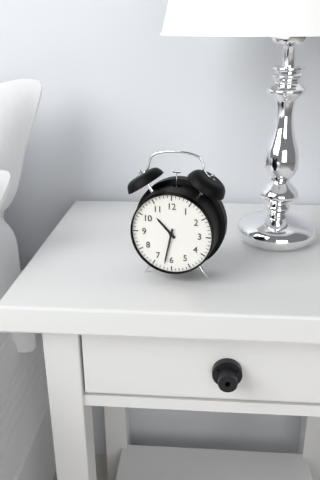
10:32
